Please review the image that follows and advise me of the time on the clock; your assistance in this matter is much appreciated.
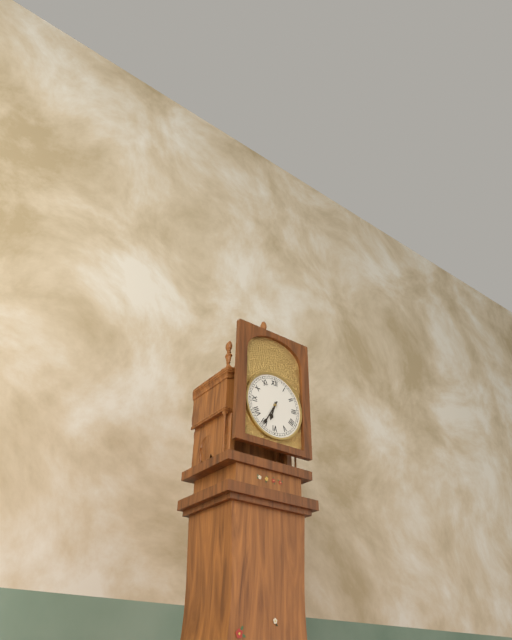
6:35
